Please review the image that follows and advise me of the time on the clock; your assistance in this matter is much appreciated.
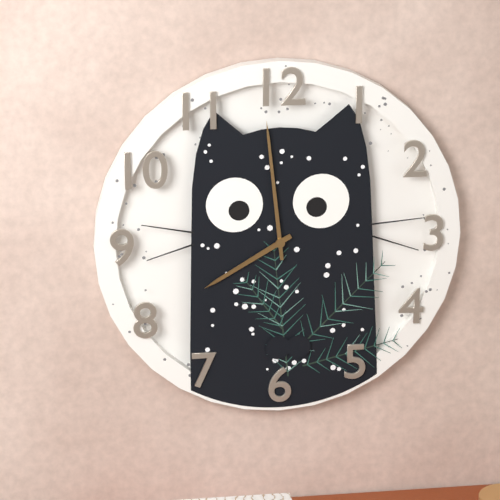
7:59
